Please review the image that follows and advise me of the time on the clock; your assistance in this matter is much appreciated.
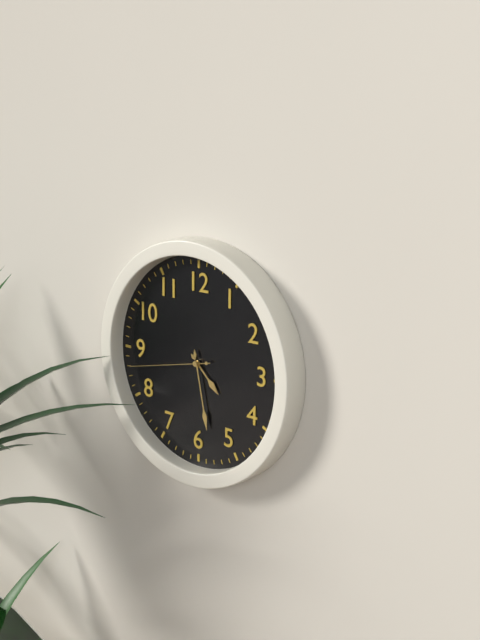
4:28:43
